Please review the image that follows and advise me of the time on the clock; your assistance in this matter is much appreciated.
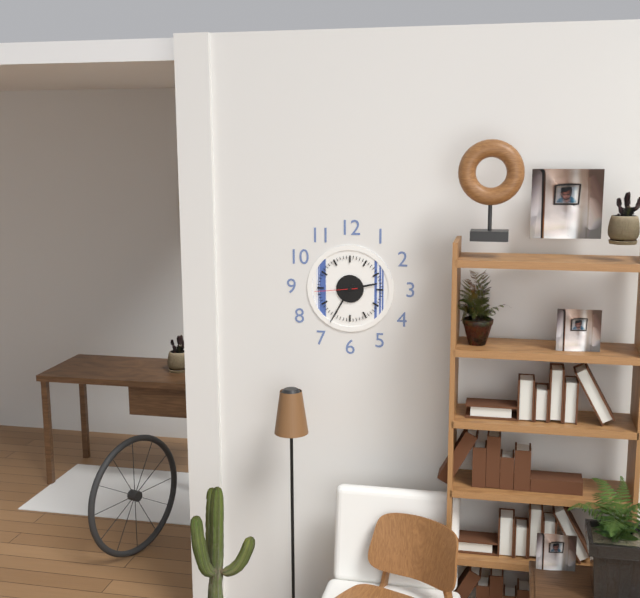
2:35
